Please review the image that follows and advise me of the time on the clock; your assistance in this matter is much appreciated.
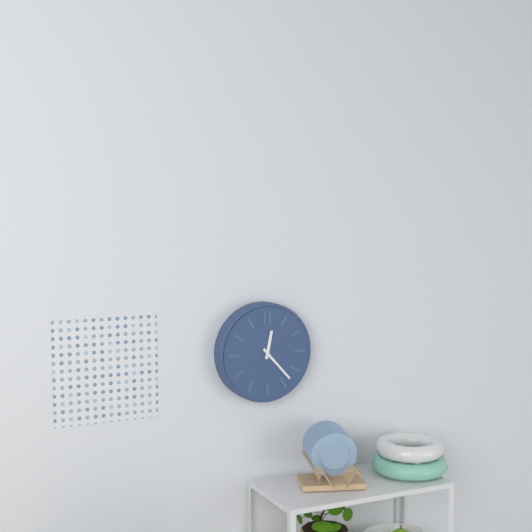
12:23
